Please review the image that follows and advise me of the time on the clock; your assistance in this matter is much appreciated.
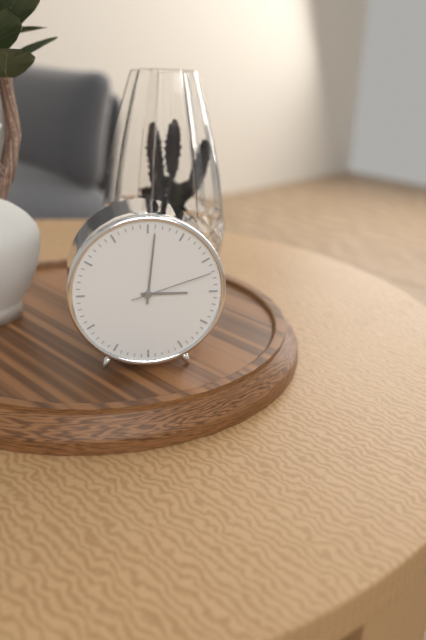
3:01:12
